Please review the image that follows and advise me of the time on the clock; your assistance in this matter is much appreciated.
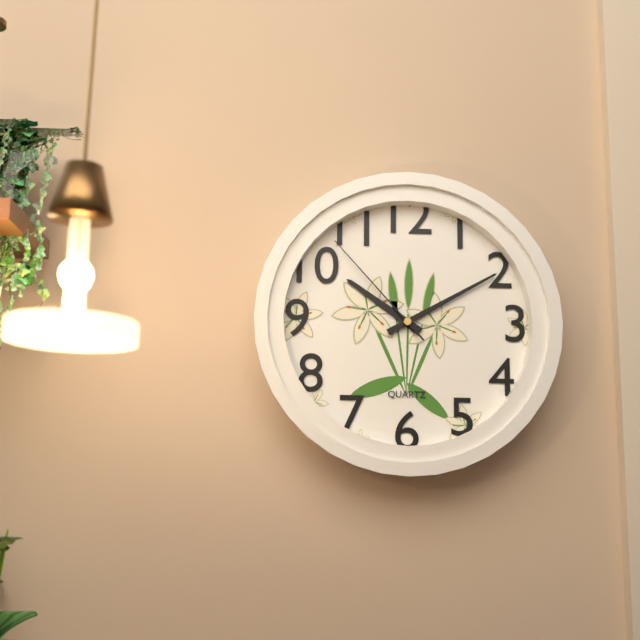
10:10:53
